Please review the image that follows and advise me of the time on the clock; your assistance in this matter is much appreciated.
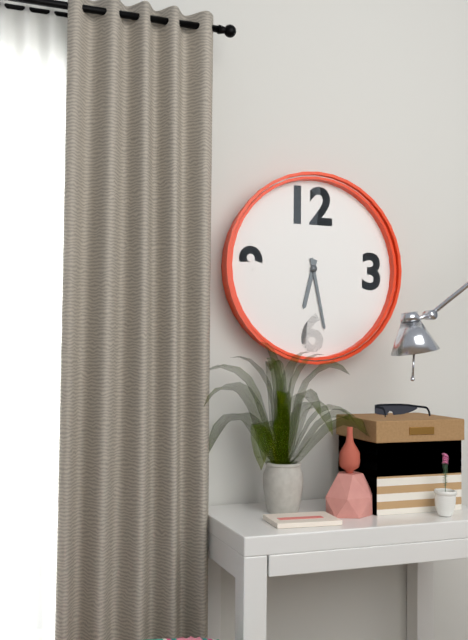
6:28
